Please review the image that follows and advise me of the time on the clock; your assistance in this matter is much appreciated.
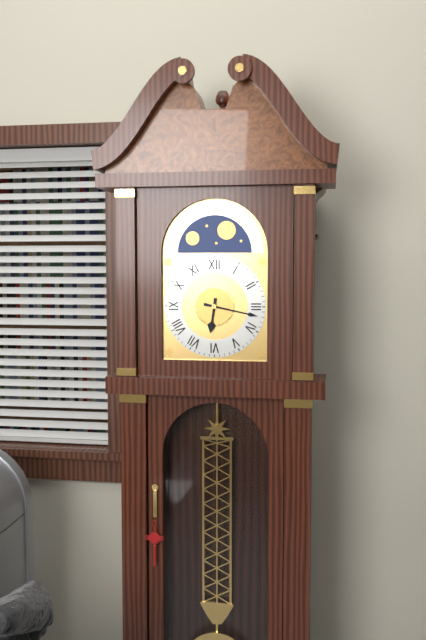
6:17
